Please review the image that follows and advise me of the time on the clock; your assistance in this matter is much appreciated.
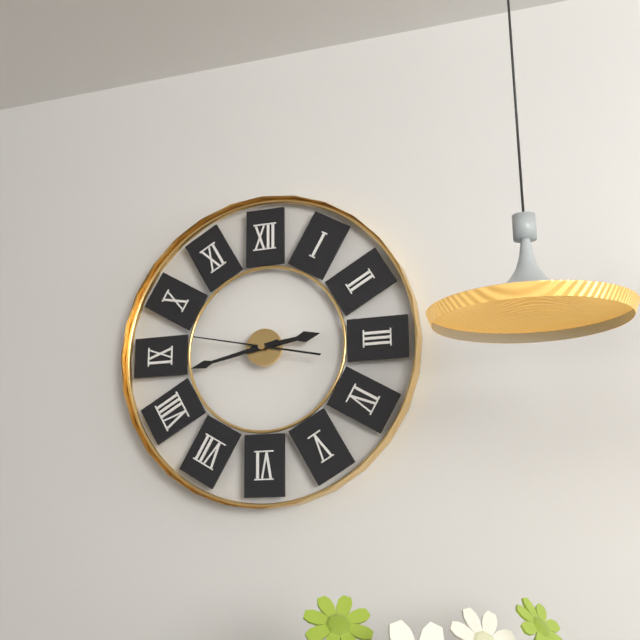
2:43:47
